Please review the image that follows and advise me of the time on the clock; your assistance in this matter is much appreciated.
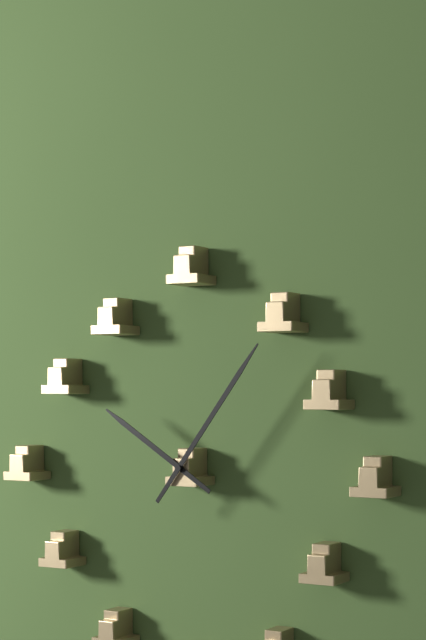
10:06
